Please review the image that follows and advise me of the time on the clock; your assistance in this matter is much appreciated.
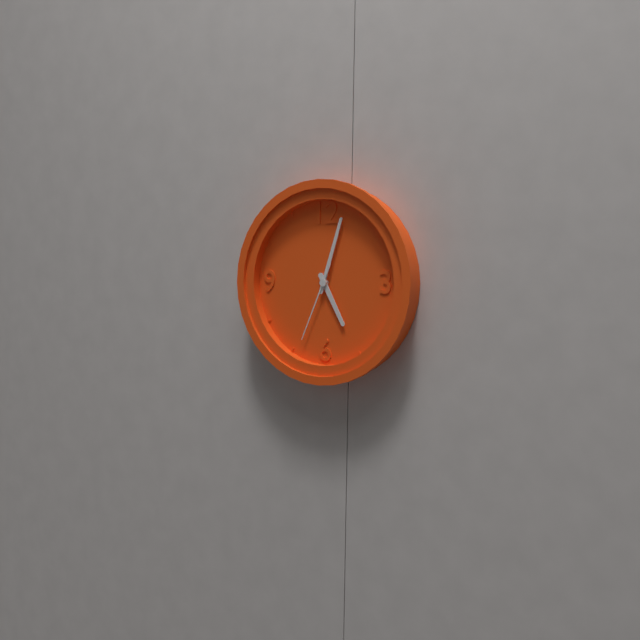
5:03:34
